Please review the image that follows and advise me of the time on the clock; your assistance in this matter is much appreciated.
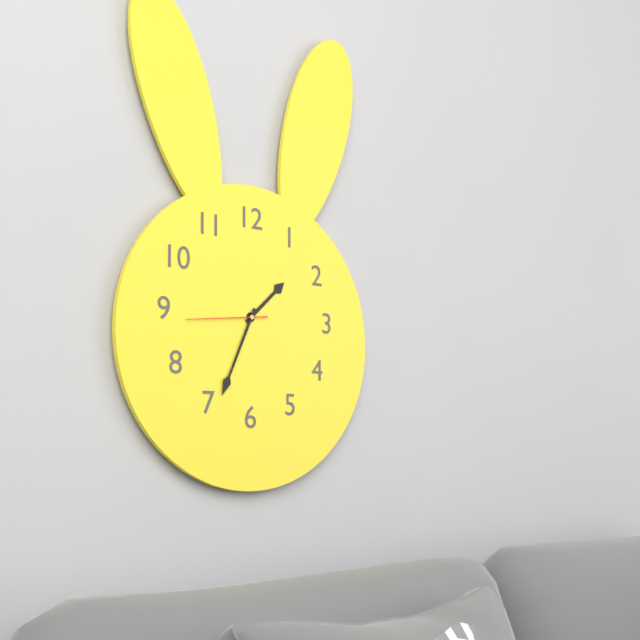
1:34:44
